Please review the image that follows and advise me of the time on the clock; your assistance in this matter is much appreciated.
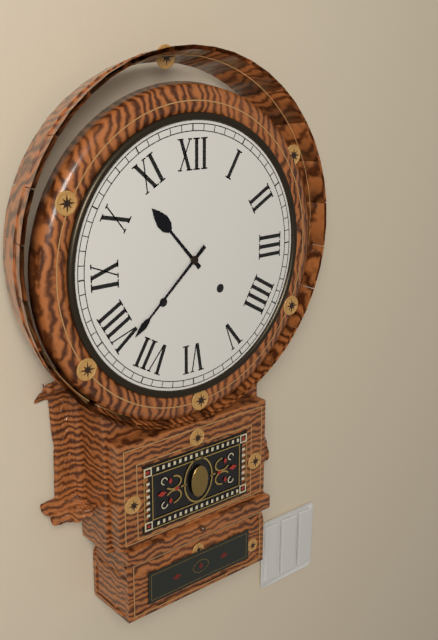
10:38
